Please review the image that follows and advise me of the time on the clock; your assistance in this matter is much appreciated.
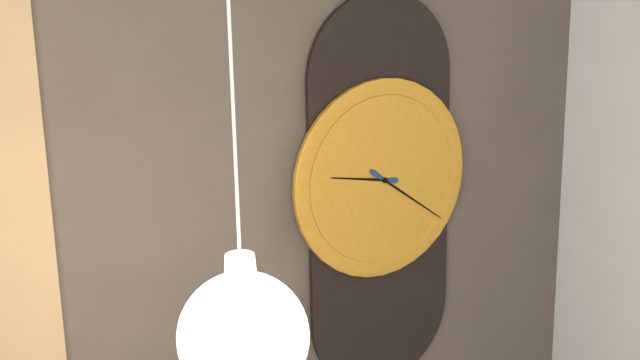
9:21
